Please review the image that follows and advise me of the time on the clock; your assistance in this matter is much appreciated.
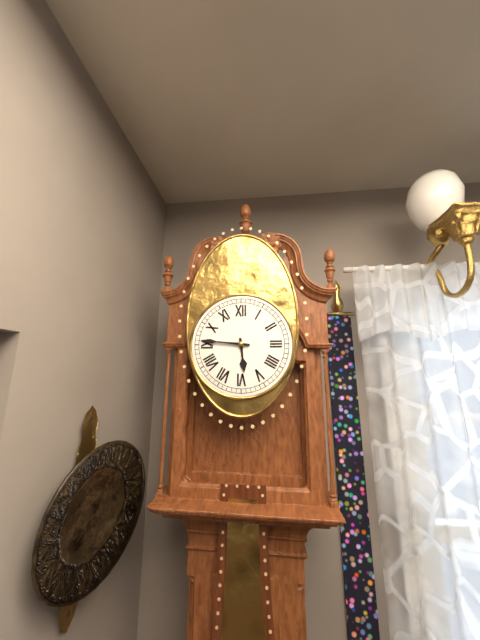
5:46
